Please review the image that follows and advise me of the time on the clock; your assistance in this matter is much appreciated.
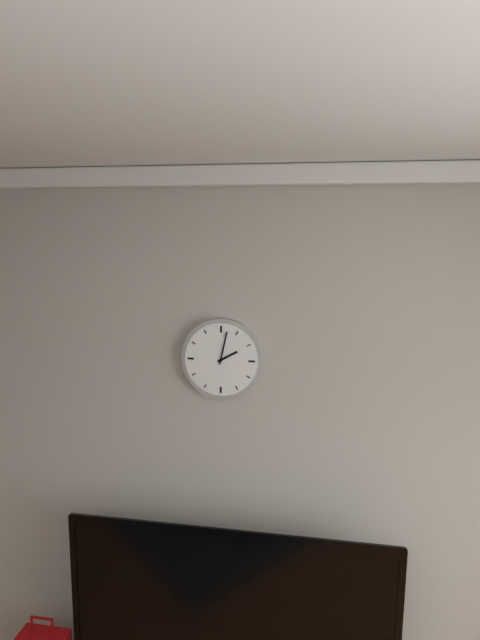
2:02
